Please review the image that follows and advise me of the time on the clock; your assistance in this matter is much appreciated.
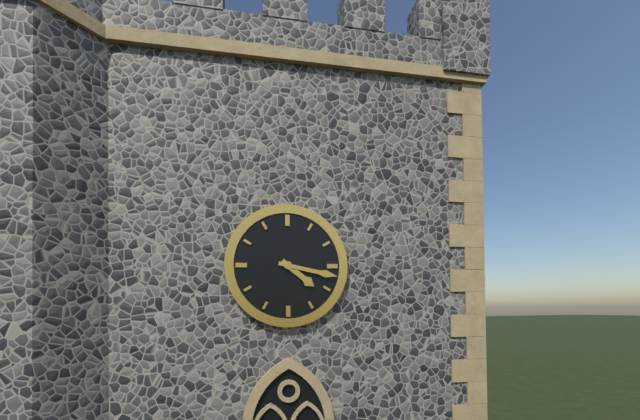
4:17
